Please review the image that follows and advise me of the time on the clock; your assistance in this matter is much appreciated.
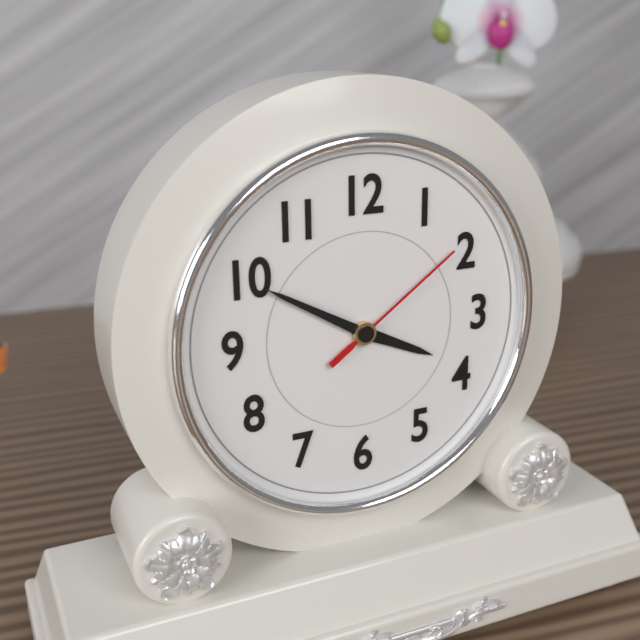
3:50:09
